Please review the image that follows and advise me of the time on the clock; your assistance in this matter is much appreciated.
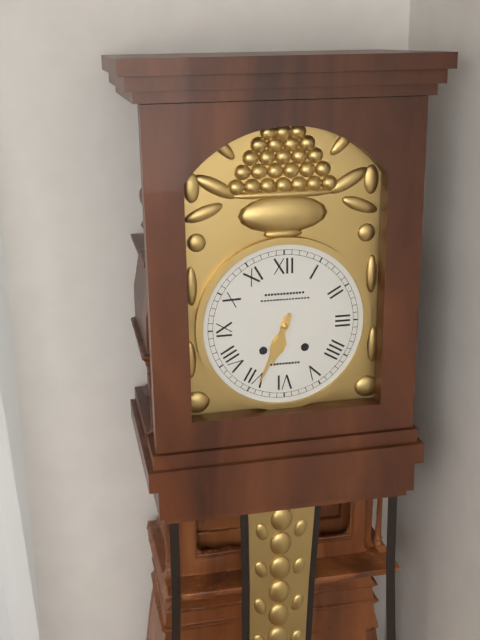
6:34
